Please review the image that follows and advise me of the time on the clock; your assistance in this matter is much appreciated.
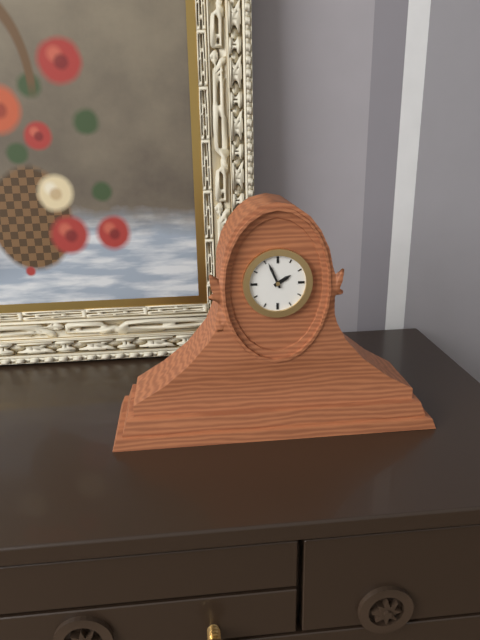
1:56
